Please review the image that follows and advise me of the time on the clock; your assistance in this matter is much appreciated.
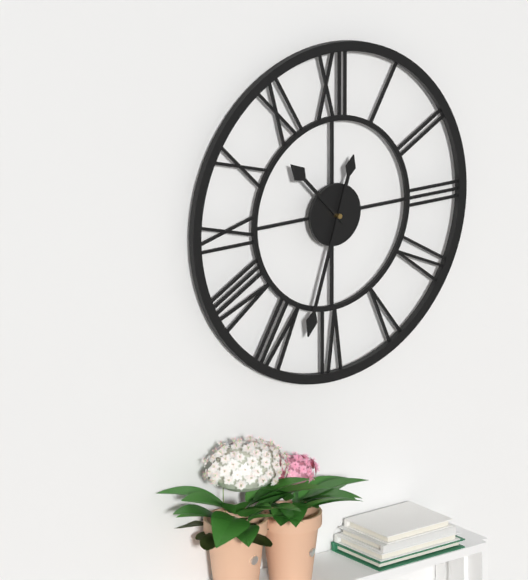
10:33
